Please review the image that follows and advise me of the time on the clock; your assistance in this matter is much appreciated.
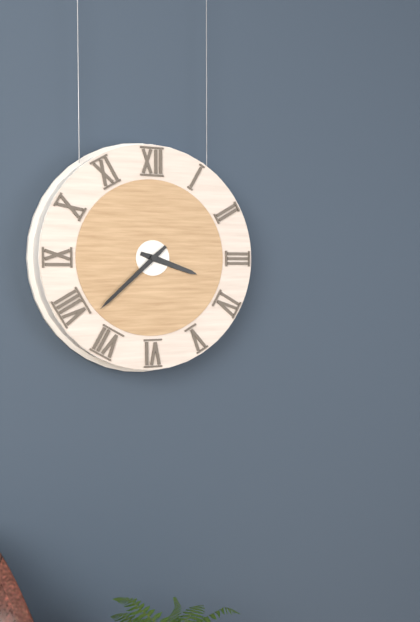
3:38
